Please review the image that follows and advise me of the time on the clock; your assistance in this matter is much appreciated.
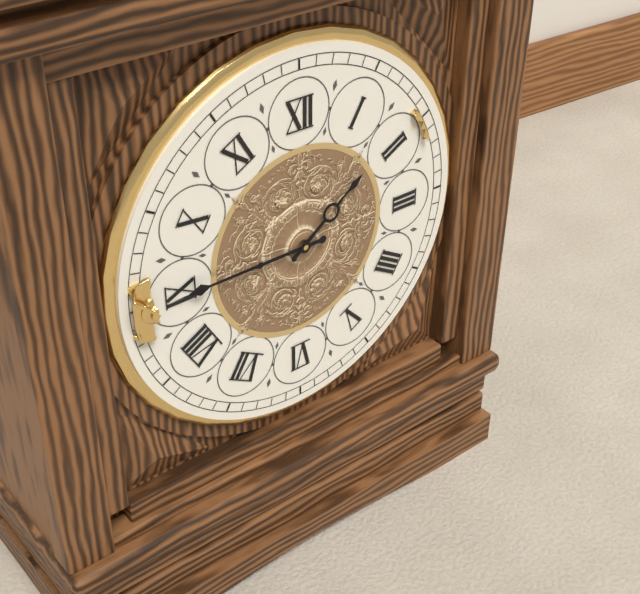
1:45
